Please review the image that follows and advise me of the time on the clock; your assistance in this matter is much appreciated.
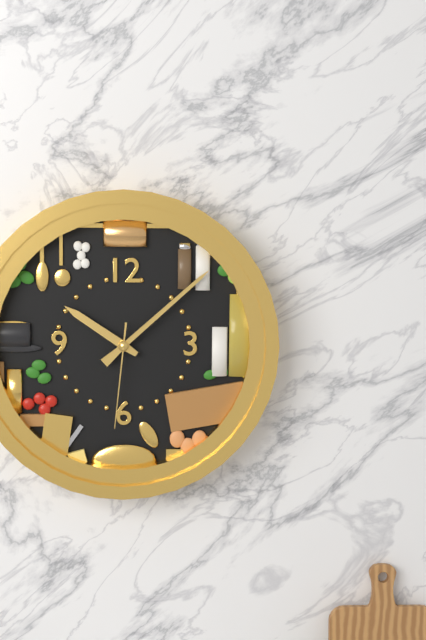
10:08:31
